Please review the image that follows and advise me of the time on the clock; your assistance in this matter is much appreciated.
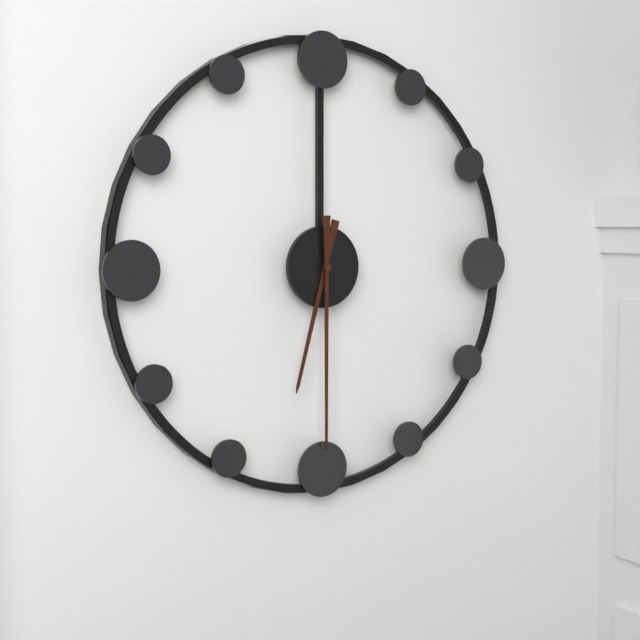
6:30
